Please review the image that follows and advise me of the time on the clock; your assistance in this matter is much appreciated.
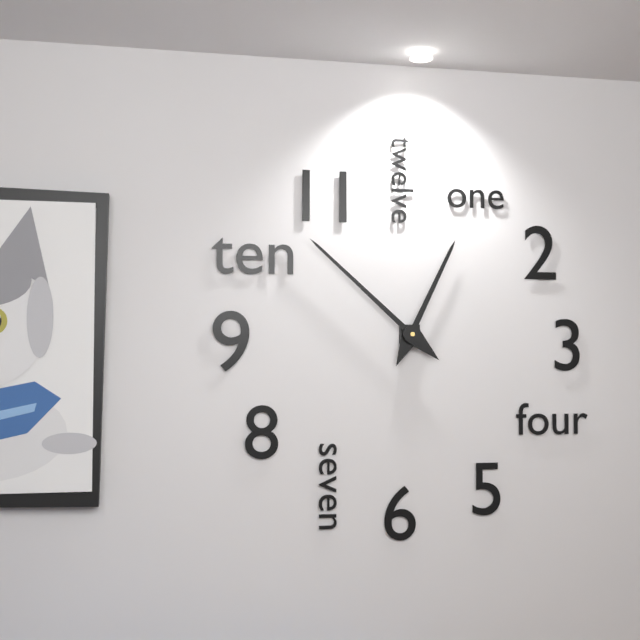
12:52
